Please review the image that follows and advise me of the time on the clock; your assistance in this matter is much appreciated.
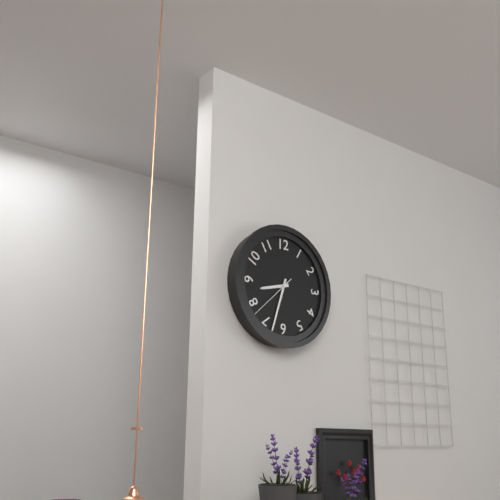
8:33:38
